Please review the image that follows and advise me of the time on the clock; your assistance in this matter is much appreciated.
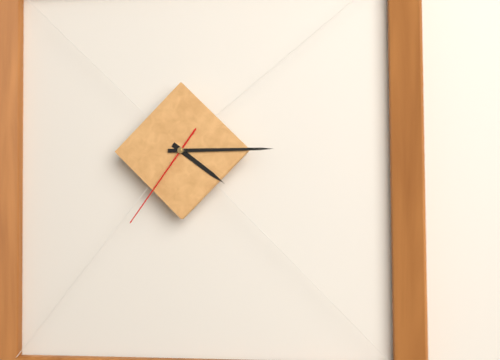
4:15:36
